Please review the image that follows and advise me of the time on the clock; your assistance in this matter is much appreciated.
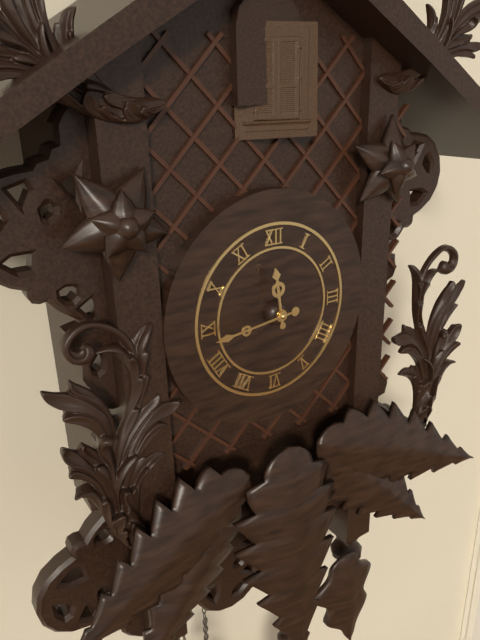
11:44
